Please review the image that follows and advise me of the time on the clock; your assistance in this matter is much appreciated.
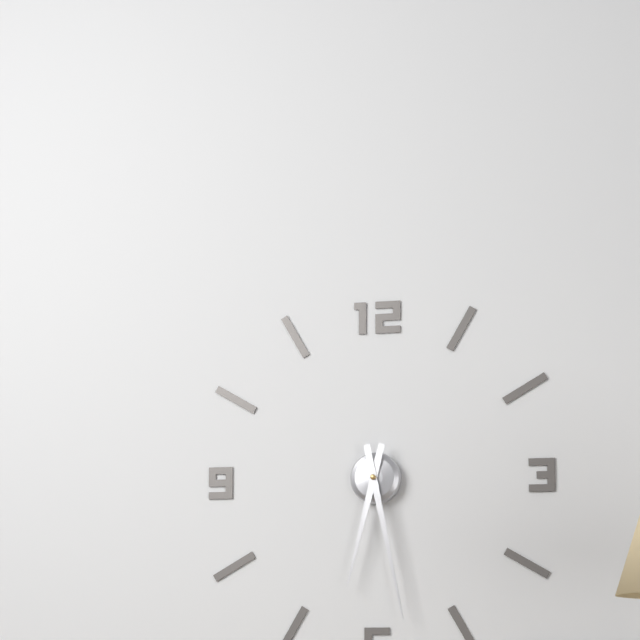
6:28
